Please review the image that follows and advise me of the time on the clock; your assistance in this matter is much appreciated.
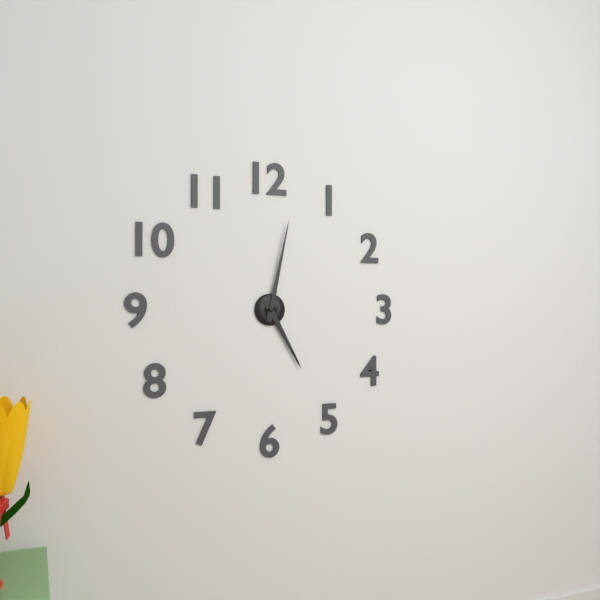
5:02
